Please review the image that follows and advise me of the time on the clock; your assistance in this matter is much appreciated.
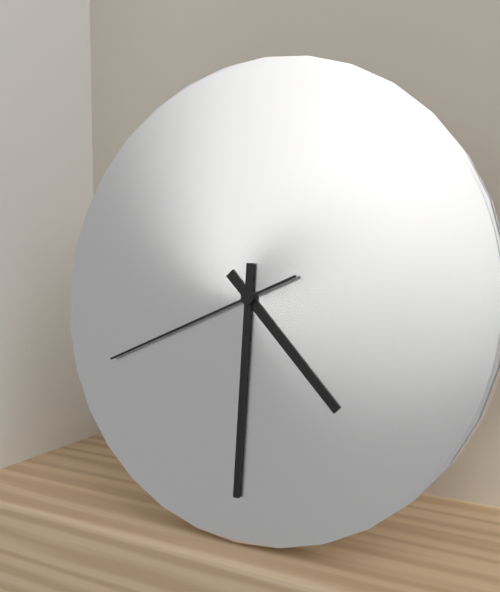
4:30:41
